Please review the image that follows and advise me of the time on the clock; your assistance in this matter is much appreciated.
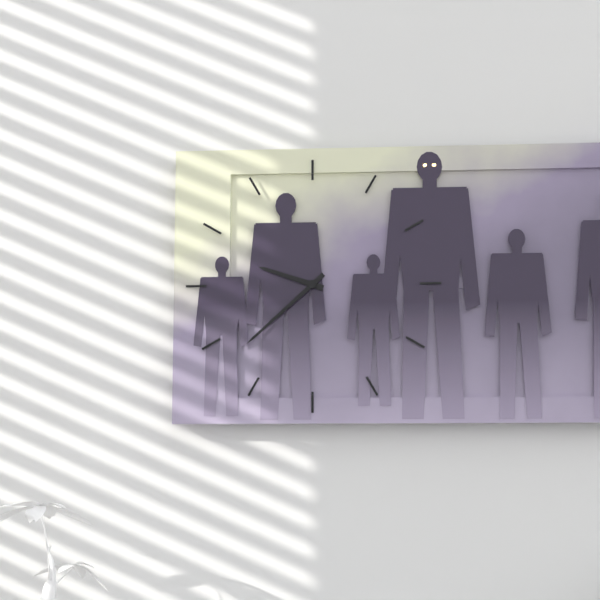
9:38
